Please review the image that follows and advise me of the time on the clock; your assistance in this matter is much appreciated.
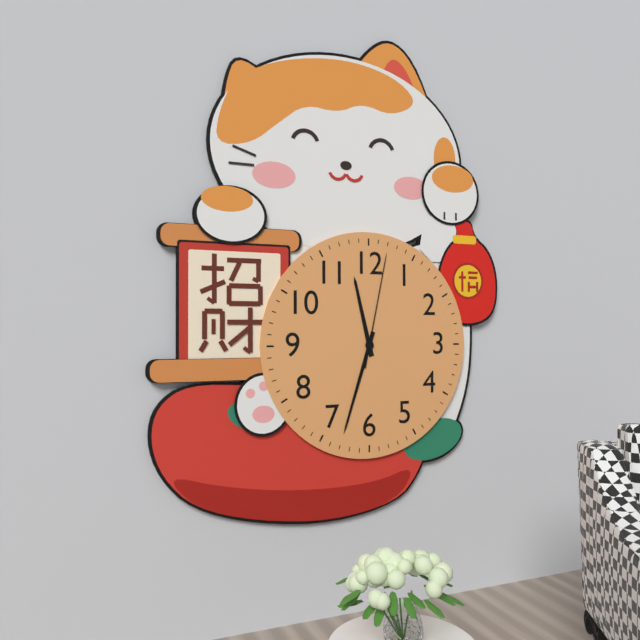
11:33:02
